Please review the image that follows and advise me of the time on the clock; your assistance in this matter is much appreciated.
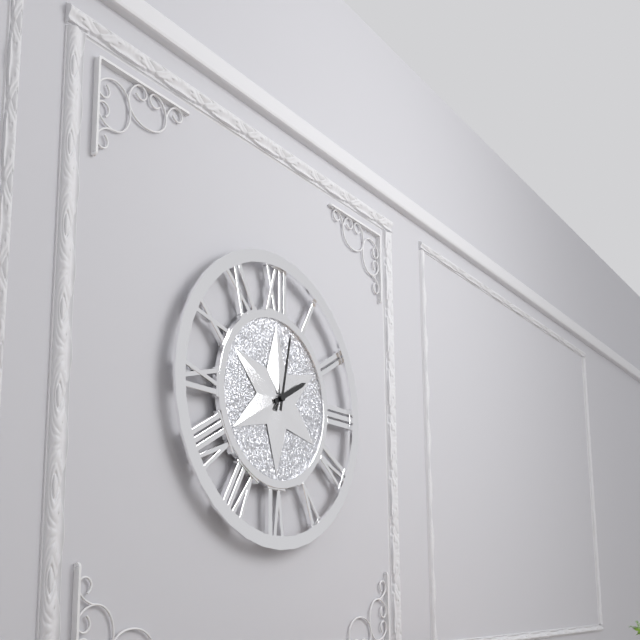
2:02
